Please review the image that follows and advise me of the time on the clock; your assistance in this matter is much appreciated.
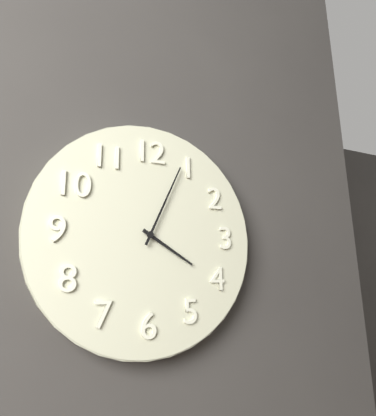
4:04
